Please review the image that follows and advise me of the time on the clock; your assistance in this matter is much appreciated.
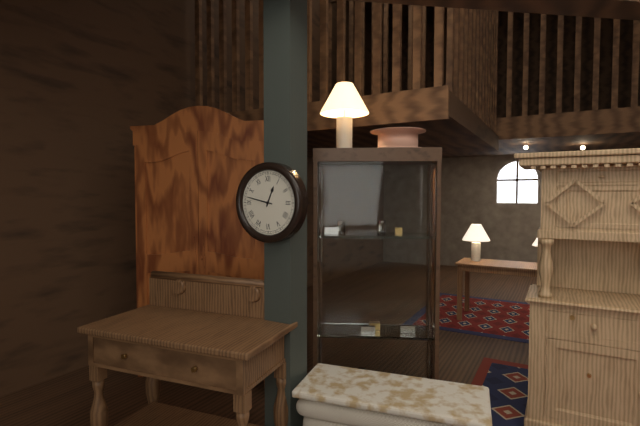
12:47
